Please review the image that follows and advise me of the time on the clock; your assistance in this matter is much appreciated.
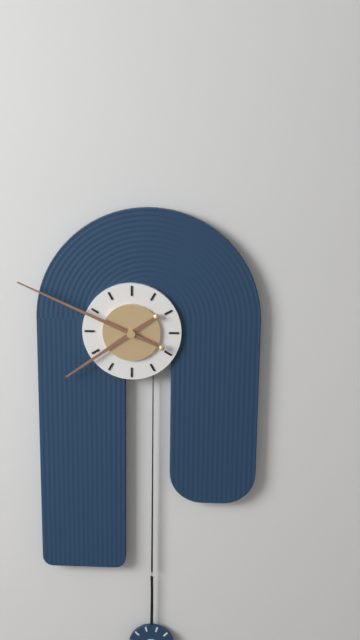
7:49
